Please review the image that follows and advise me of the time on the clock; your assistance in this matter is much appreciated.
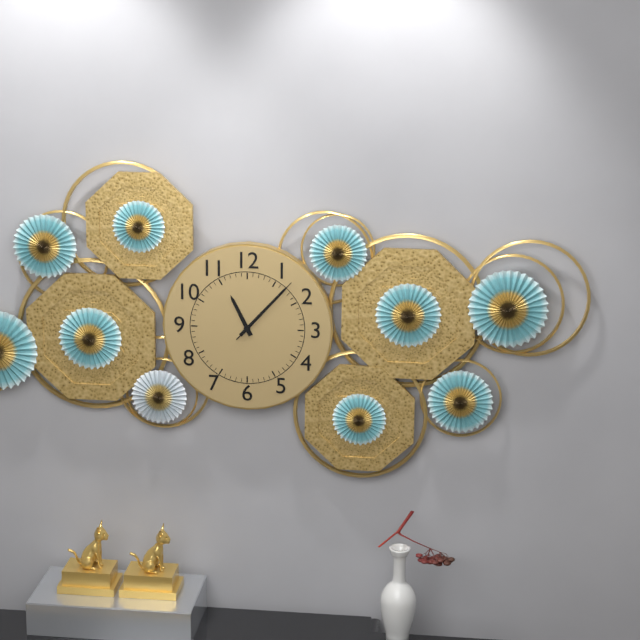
11:07:07
